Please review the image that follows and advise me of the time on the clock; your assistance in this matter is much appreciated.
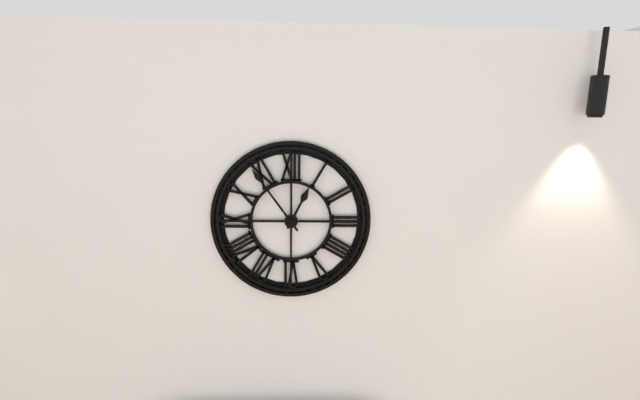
12:54
